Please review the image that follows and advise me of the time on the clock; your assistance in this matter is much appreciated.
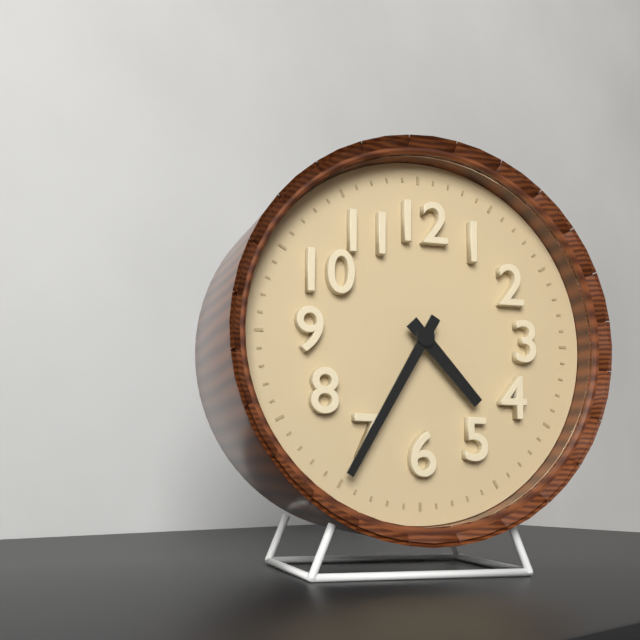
4:35
